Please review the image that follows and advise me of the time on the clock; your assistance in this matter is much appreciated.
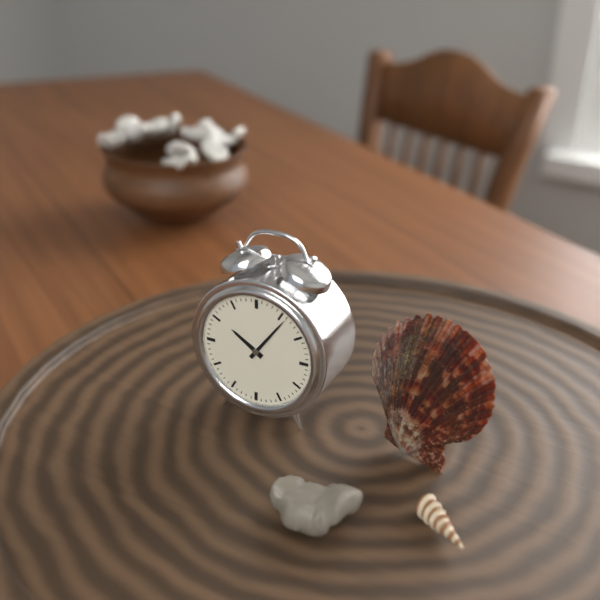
10:06
